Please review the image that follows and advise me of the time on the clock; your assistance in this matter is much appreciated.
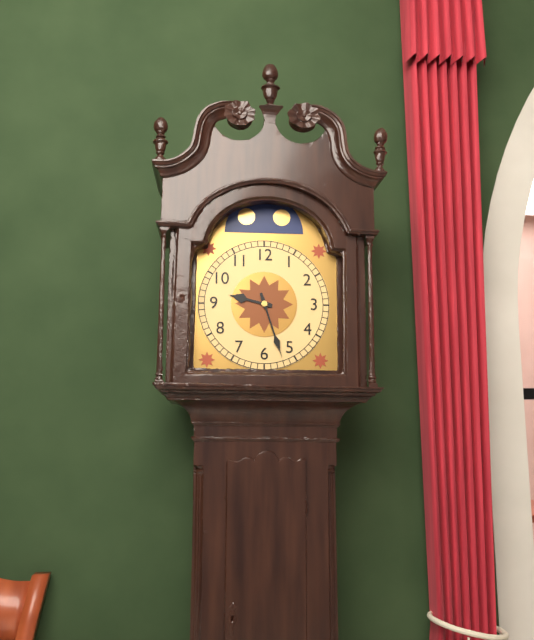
9:27
